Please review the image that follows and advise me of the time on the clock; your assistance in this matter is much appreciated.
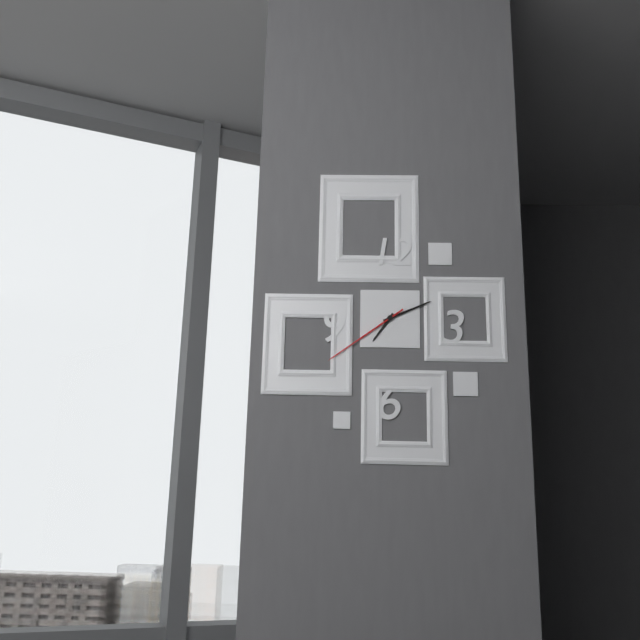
7:11:39
